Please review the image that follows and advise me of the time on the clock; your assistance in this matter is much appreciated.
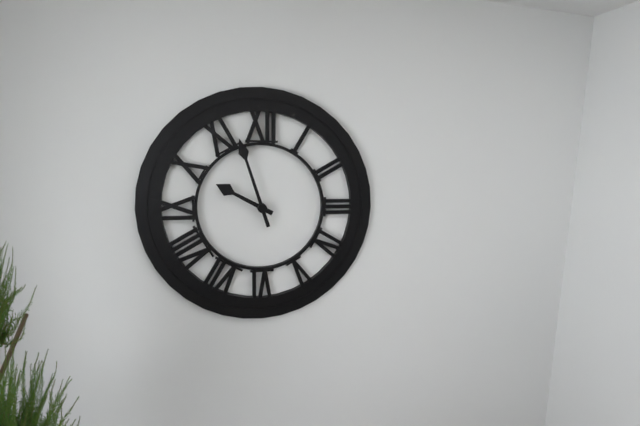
9:57
